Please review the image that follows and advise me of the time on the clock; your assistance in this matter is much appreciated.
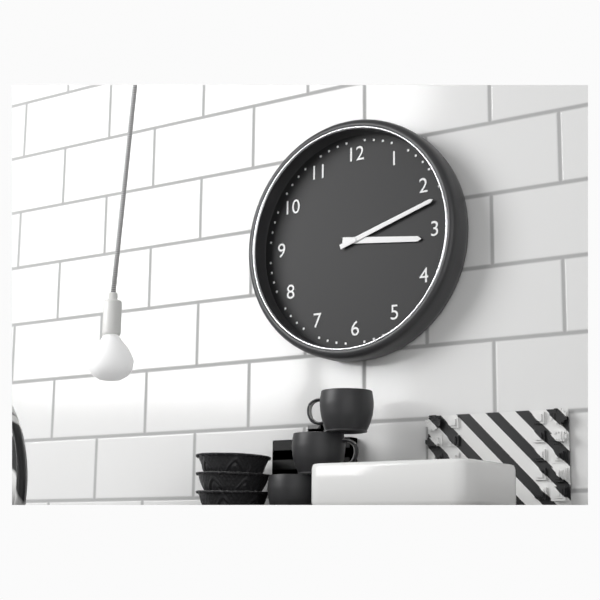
3:12
